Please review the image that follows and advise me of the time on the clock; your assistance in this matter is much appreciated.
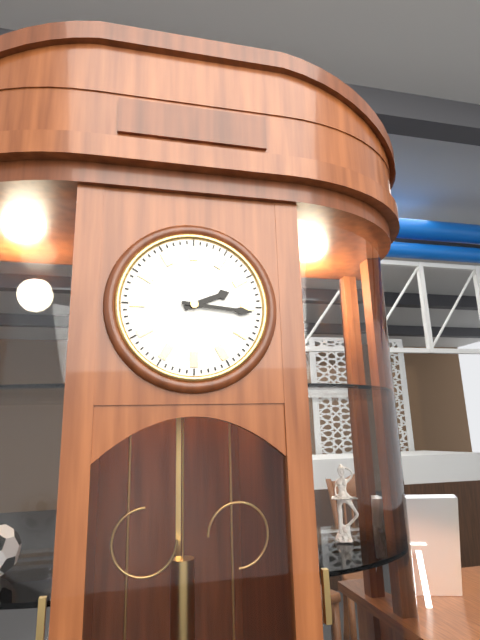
2:16
